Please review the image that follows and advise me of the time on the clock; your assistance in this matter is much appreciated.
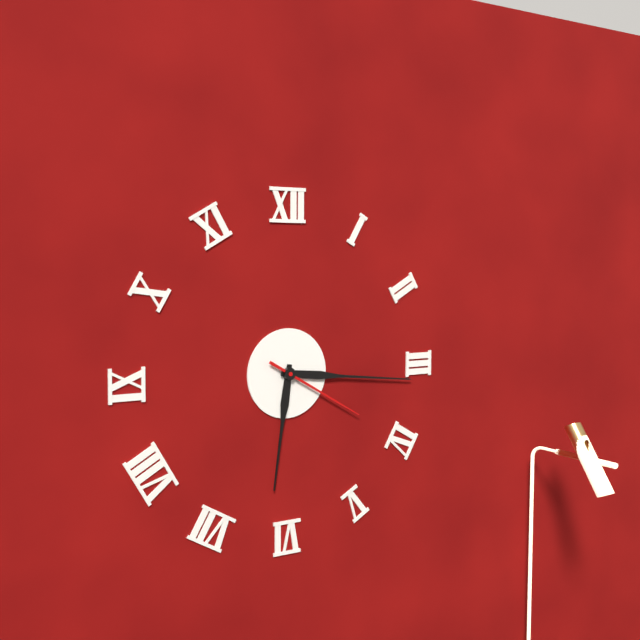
6:16:20
